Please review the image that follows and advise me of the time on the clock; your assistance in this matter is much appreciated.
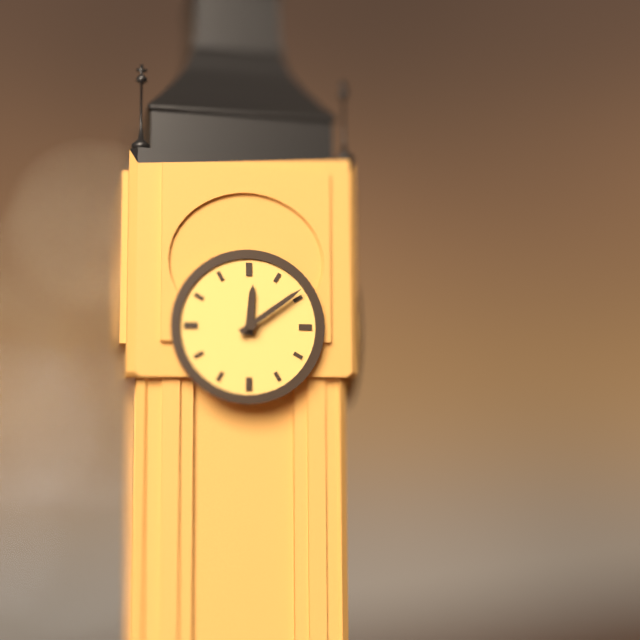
12:09
